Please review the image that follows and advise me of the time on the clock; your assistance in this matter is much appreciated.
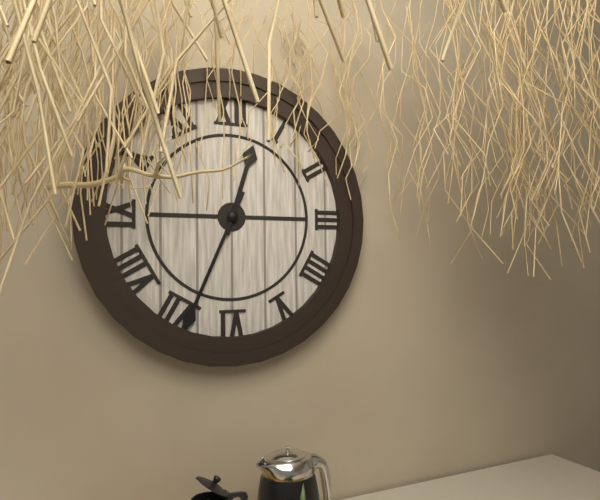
12:34
